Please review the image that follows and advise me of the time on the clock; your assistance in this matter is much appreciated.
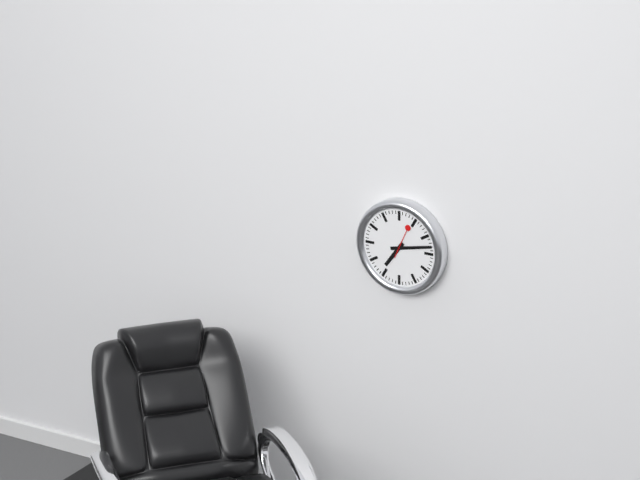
7:13
